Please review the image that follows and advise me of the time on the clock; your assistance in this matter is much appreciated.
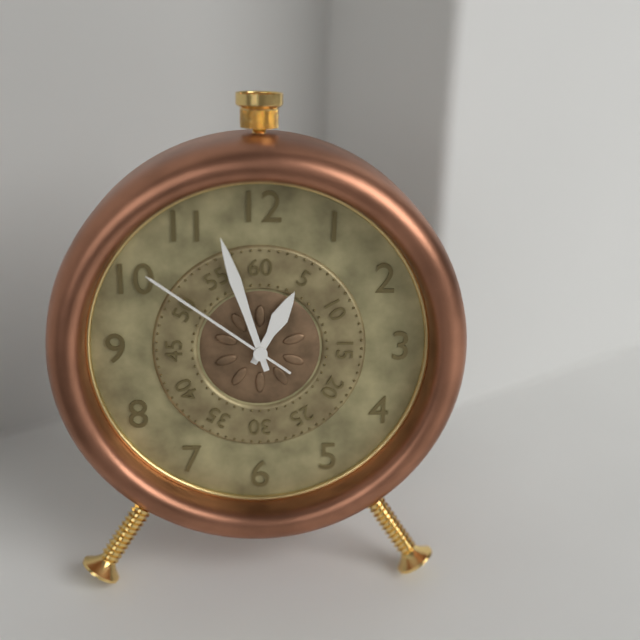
12:57:51
